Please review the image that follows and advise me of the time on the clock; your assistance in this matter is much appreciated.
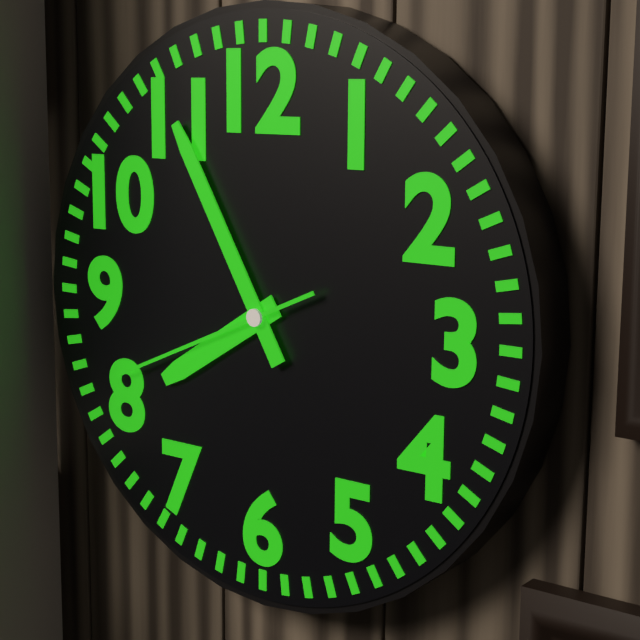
7:55:41
